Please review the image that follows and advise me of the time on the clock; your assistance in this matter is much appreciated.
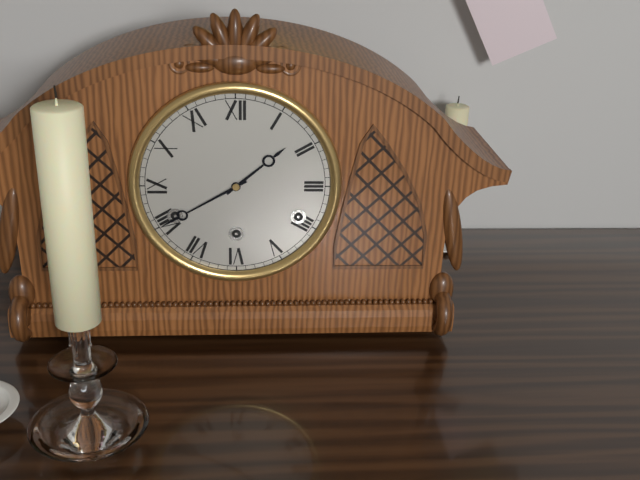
1:40
